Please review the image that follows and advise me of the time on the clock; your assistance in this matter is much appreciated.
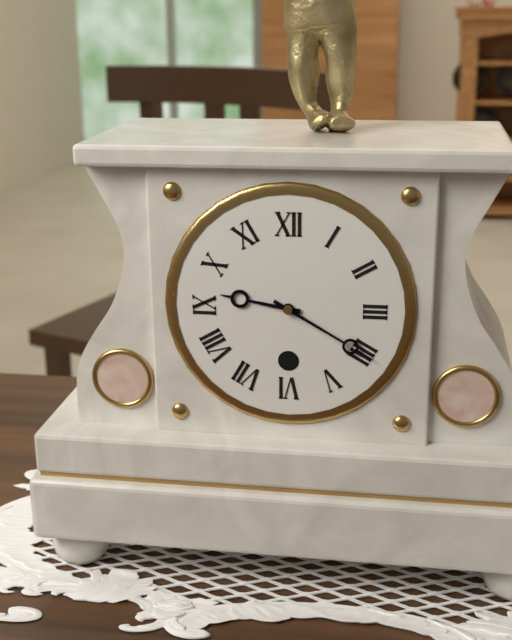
9:20
